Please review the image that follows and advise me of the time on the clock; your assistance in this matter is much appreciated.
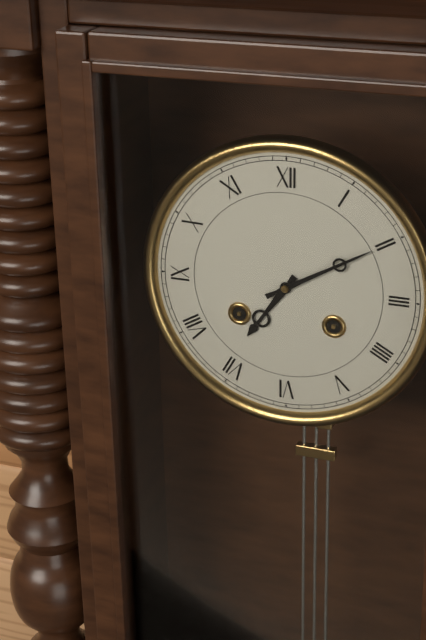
7:10
